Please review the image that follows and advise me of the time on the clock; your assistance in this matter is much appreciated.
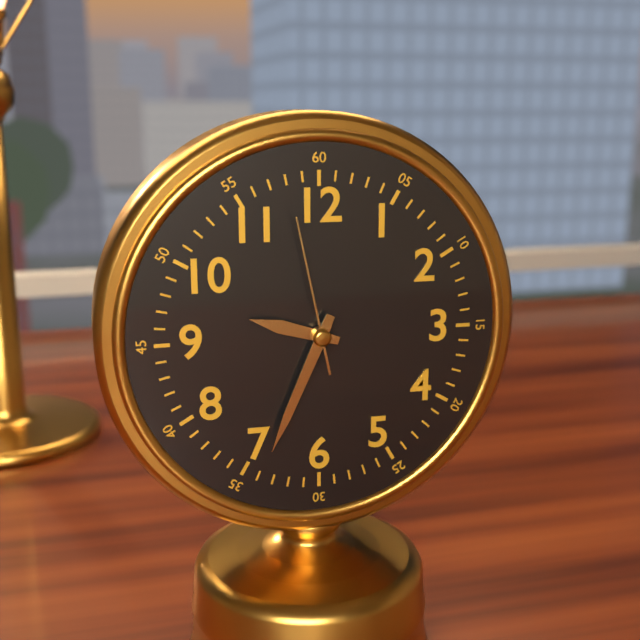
9:34:58
